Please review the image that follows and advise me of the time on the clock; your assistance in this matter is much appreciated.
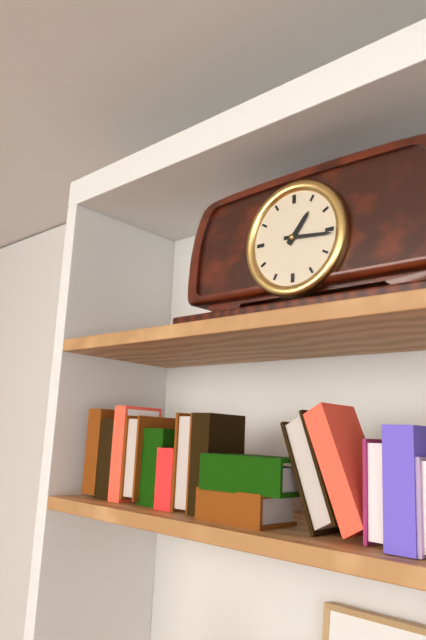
1:16
